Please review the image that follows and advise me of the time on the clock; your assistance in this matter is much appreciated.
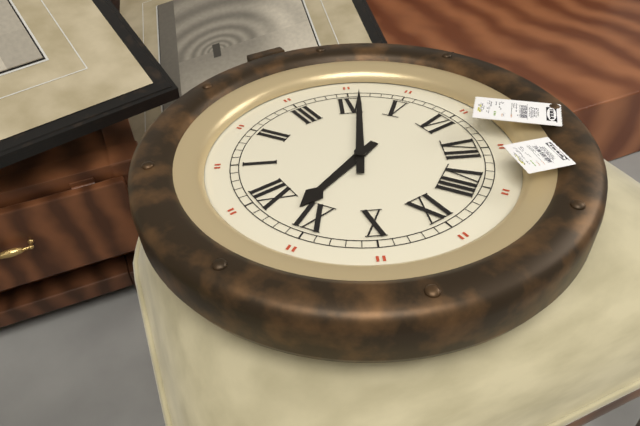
11:21
